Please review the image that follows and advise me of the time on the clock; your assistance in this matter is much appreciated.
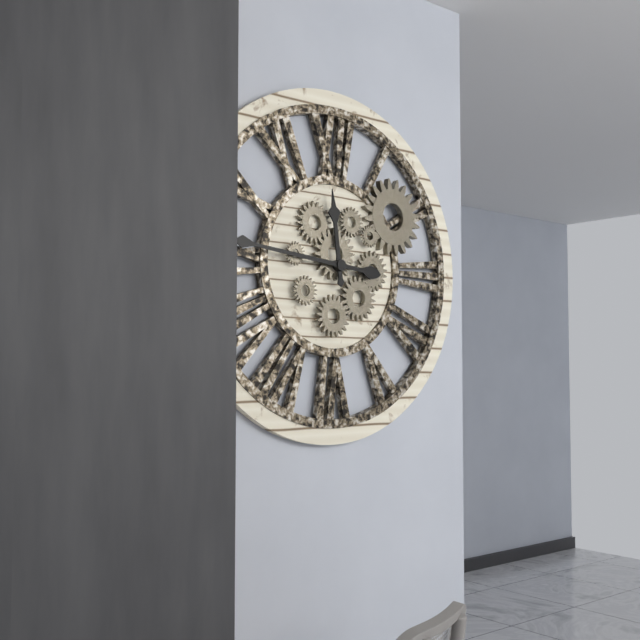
11:46
